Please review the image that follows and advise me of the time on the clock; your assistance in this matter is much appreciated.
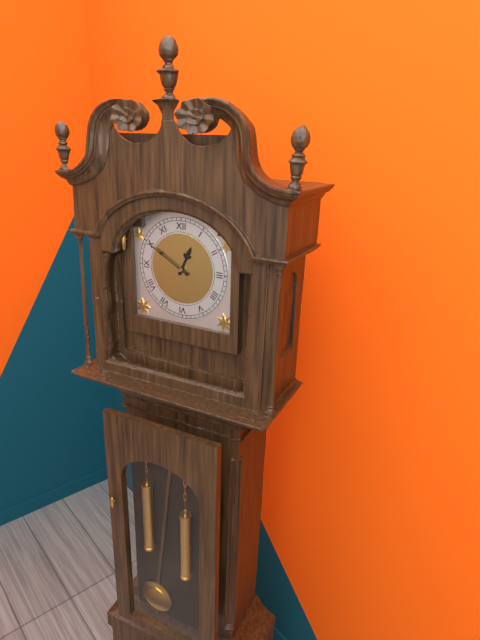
12:50
